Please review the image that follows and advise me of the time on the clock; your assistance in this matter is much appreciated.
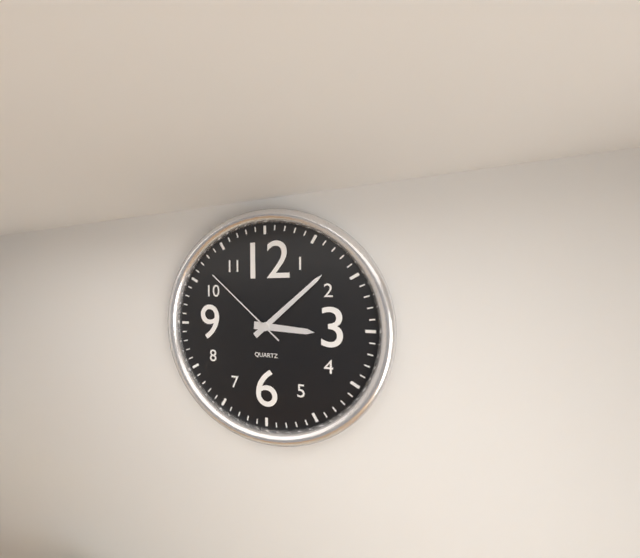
3:08:52
